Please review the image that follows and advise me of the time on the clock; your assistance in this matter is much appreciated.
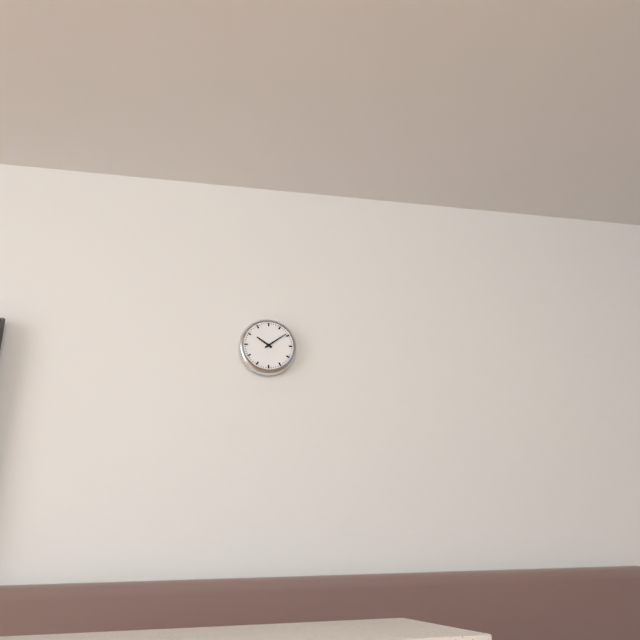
10:09
